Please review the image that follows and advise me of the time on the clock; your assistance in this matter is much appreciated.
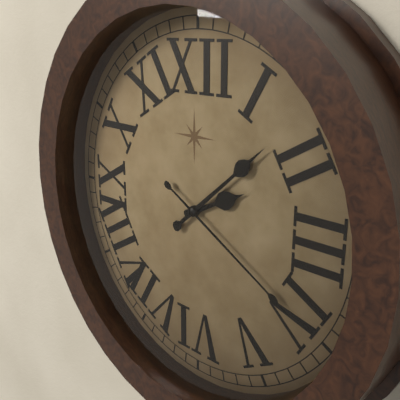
2:08:20
